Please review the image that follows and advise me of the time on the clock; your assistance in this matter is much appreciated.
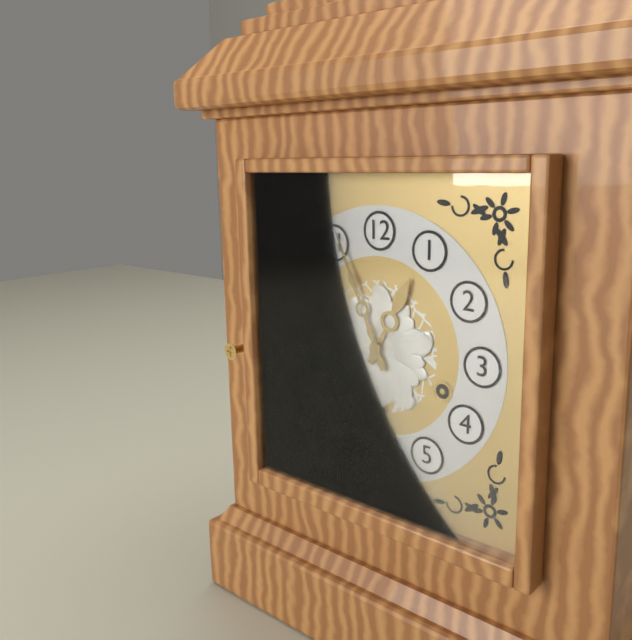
12:56
